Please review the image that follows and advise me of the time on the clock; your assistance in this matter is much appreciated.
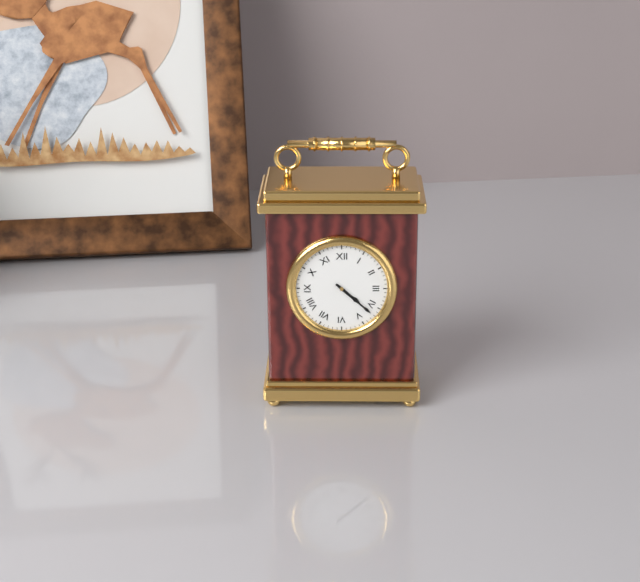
4:22
